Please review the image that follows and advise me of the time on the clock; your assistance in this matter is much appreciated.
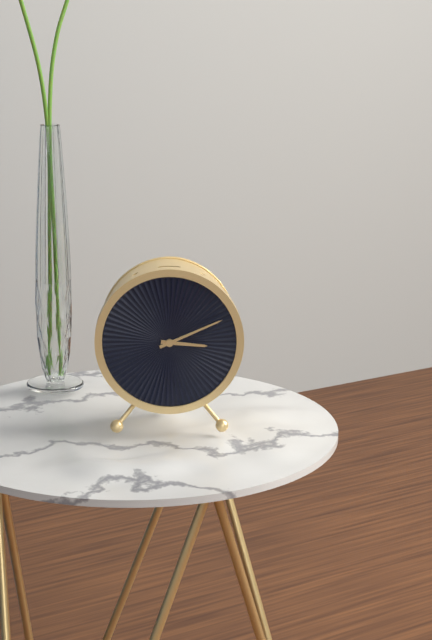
3:11
